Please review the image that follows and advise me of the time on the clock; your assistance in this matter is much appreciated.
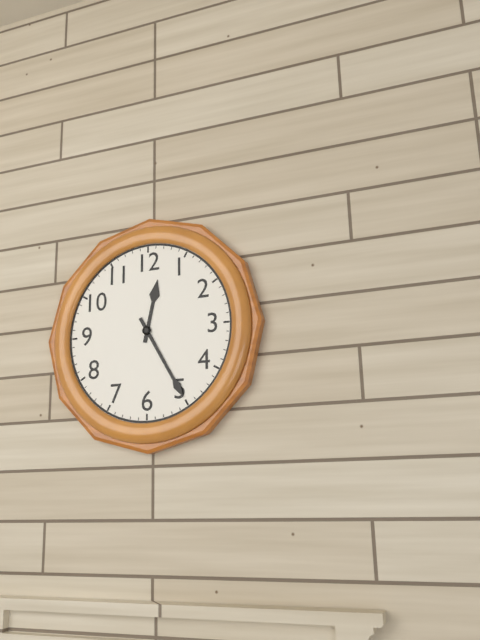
12:25
